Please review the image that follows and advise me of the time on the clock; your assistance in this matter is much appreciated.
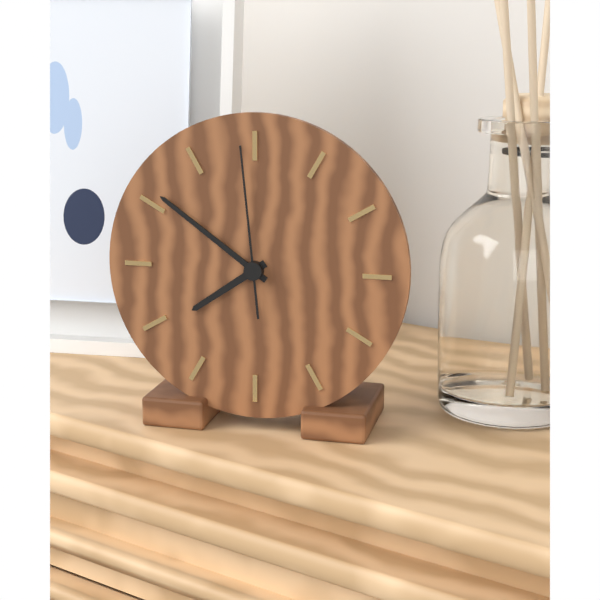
7:51:59
